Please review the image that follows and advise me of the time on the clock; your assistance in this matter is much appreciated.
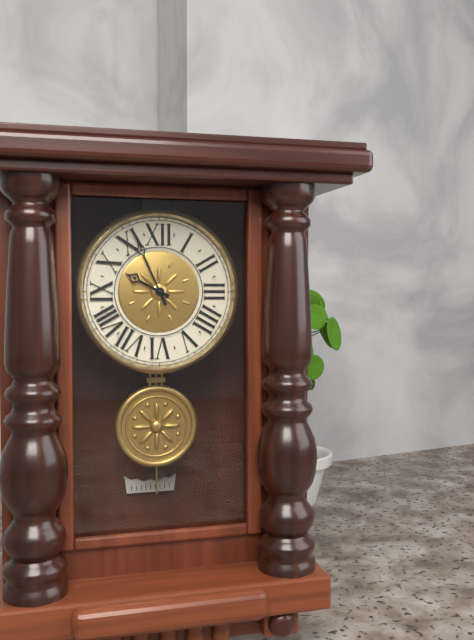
9:56
